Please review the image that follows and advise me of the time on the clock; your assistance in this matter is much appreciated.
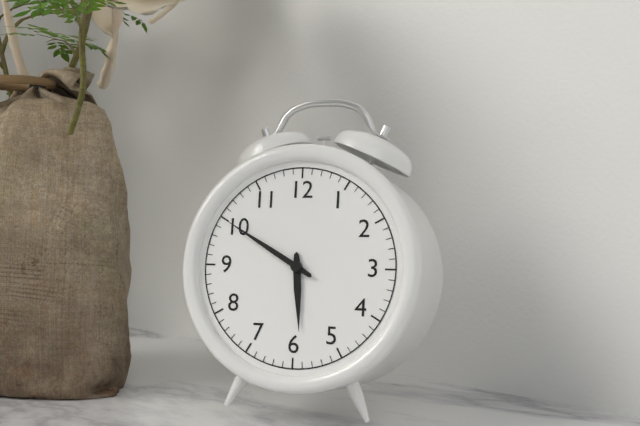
5:50
